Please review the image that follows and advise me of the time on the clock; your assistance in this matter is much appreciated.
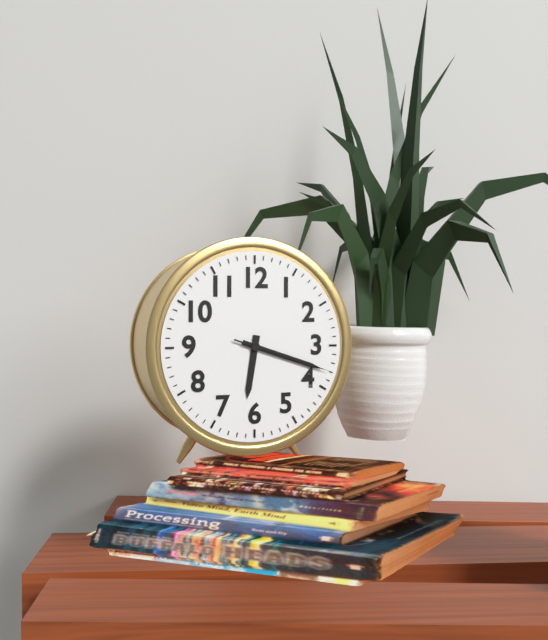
6:18:18
